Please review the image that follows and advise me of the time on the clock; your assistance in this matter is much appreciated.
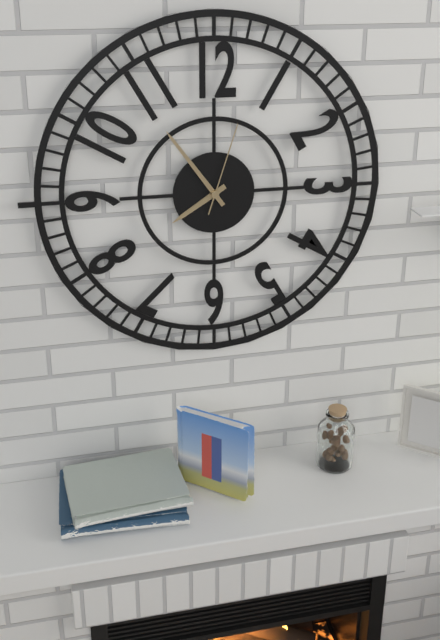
7:54:03
